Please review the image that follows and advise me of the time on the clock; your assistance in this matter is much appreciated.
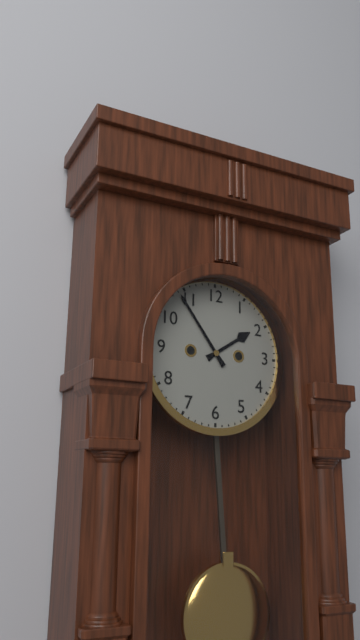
1:54
